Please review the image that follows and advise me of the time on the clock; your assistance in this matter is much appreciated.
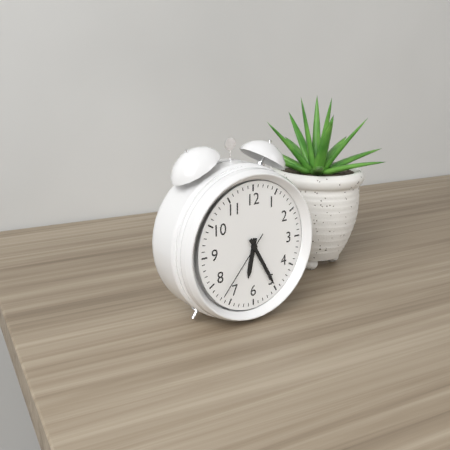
6:25:37
